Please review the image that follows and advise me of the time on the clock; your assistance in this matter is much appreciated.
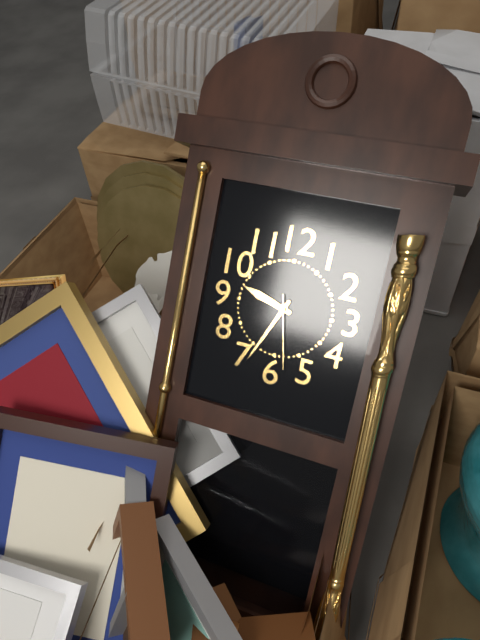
9:34:28
